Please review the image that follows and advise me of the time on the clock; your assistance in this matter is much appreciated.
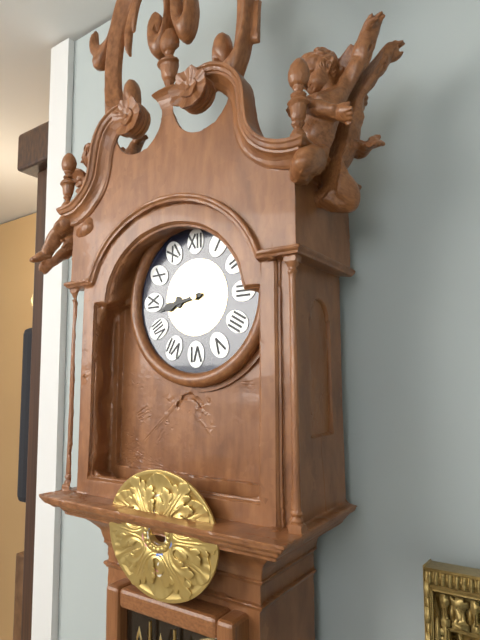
8:43
